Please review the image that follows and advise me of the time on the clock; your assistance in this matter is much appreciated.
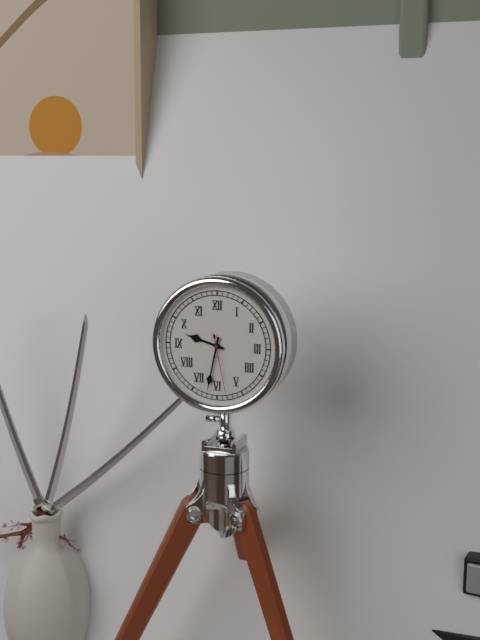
9:32:28
